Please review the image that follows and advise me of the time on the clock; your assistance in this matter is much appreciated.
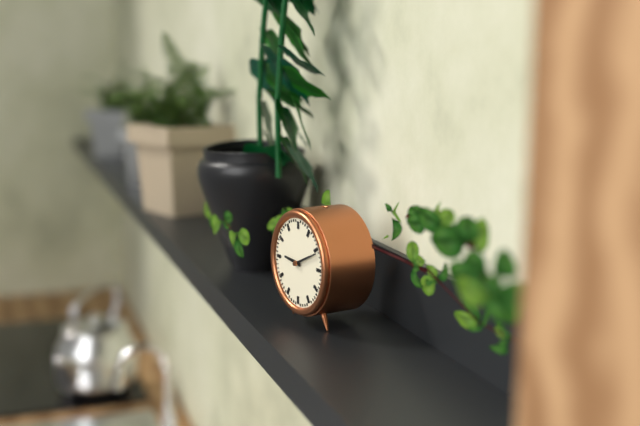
9:11
